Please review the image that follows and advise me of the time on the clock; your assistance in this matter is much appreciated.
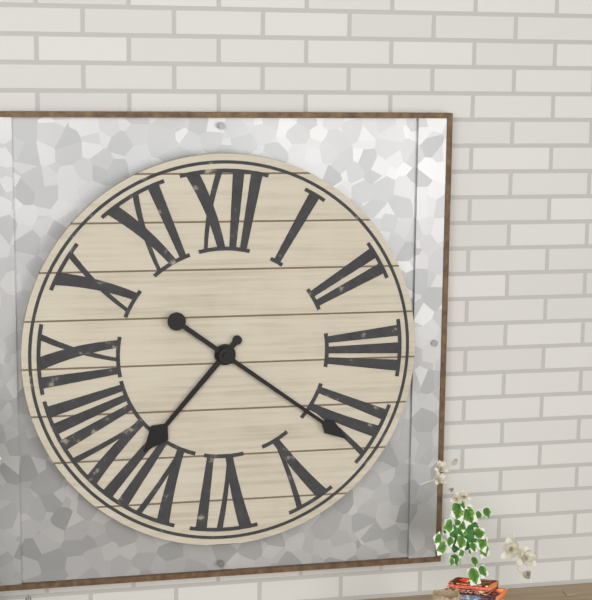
7:21
